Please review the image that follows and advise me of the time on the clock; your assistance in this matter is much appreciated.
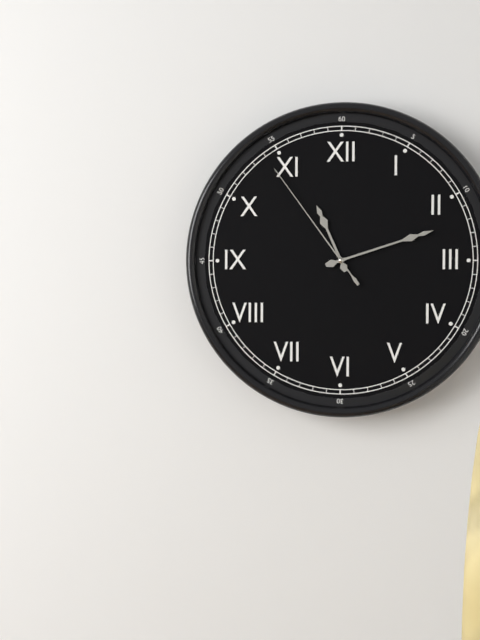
11:12:54
